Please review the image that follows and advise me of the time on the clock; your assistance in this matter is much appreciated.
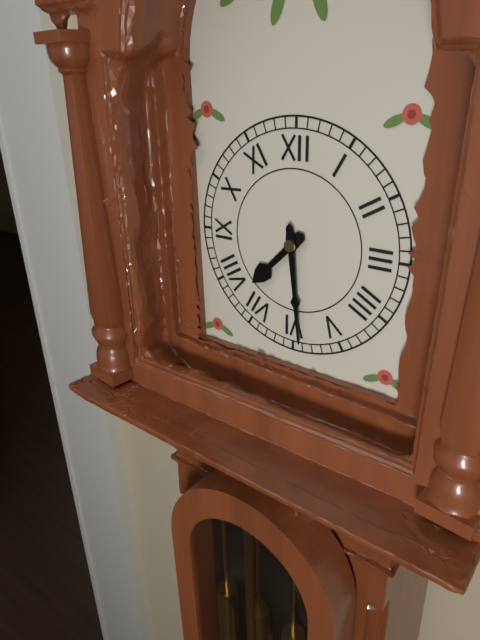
7:29
